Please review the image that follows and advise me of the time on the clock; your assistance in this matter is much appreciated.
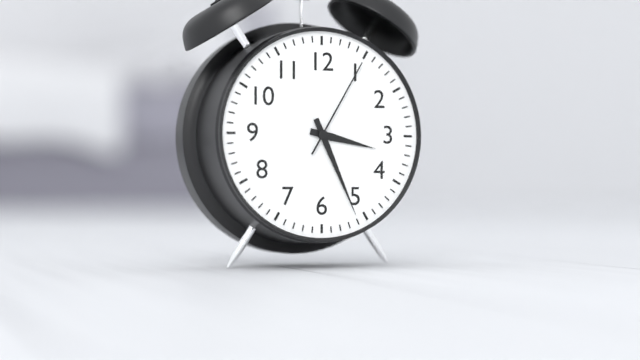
3:26:05
